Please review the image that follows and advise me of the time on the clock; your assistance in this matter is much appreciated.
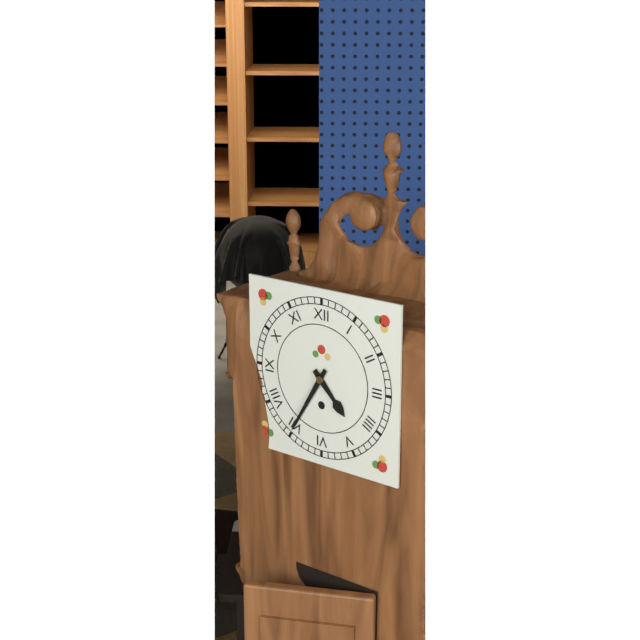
4:35
